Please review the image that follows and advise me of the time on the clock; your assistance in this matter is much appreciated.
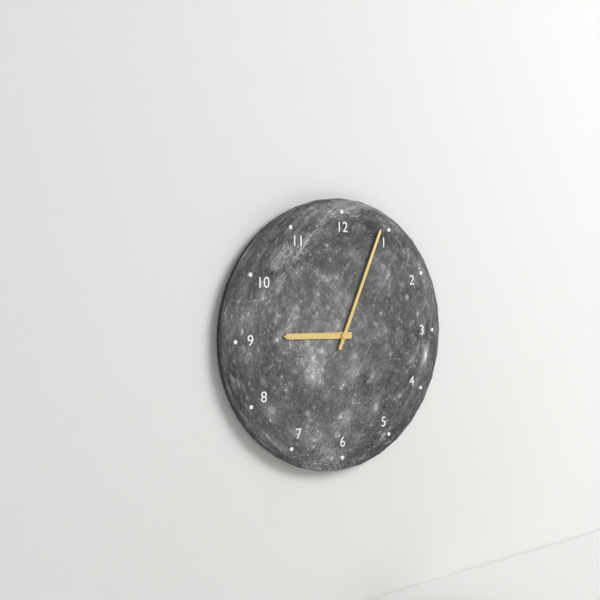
9:04
